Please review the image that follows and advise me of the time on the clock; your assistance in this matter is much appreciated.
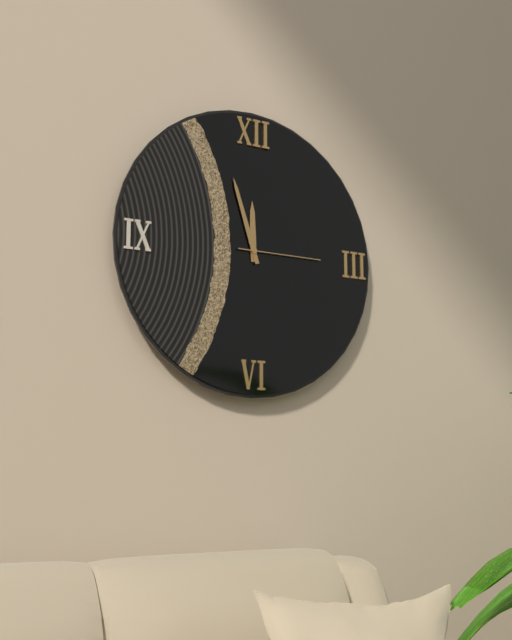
11:57:15
